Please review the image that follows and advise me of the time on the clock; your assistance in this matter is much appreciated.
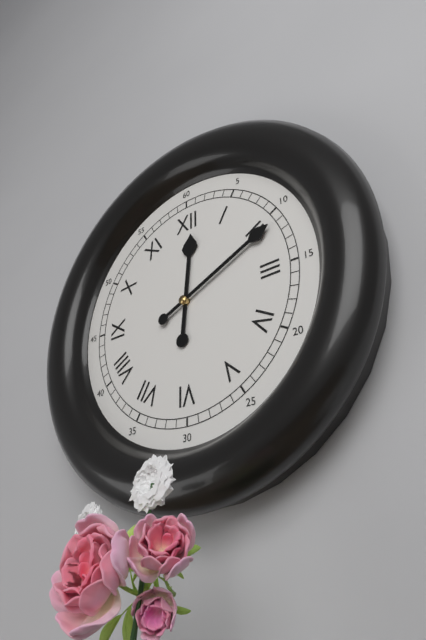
12:11
